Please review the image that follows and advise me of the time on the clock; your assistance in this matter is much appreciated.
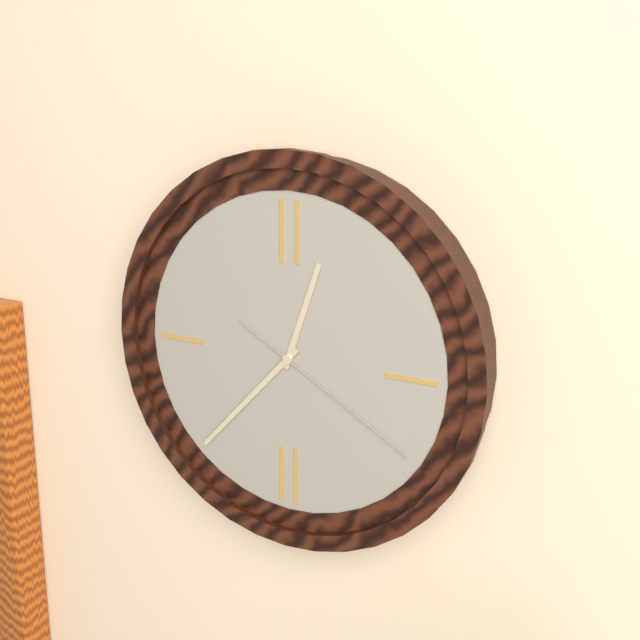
12:37:20
